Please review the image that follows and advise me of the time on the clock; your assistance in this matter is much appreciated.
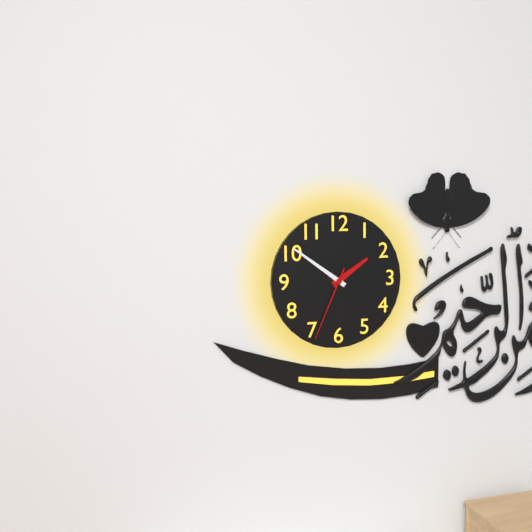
1:51:34
